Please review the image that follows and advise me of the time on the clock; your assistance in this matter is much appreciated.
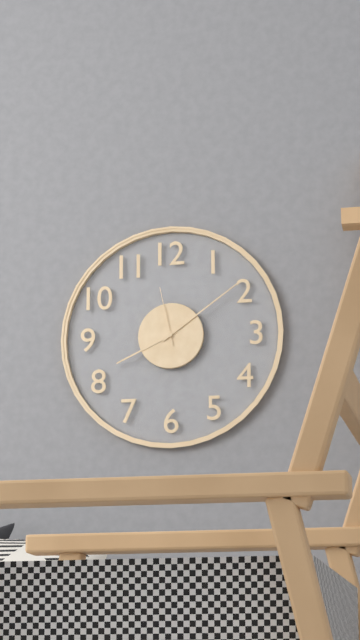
8:09:58
